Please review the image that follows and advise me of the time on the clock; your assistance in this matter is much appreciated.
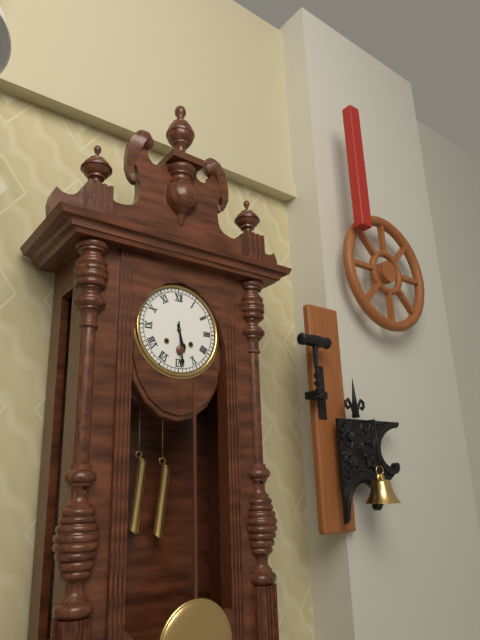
5:29
